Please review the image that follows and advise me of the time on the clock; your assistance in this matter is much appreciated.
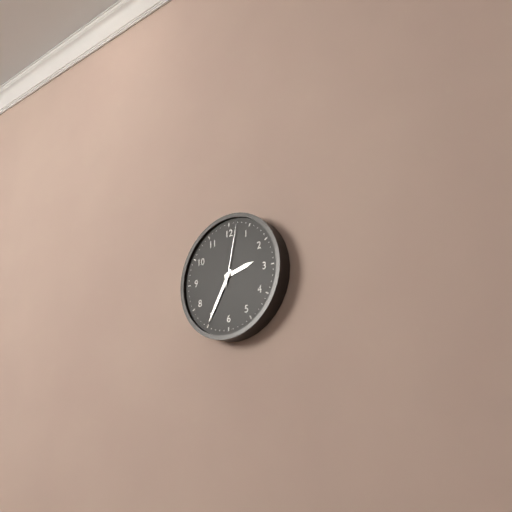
2:35:02
